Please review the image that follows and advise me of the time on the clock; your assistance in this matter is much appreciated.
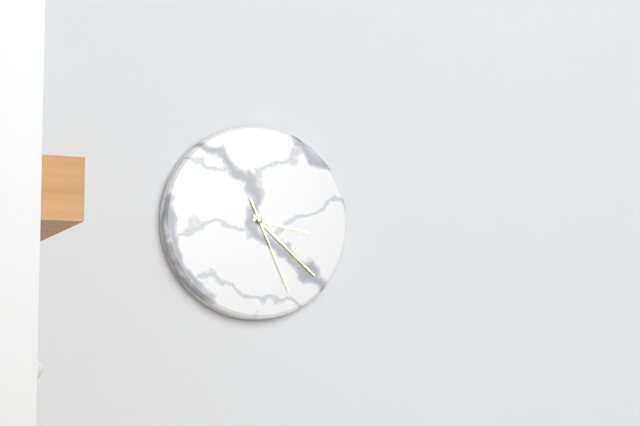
3:22:26
